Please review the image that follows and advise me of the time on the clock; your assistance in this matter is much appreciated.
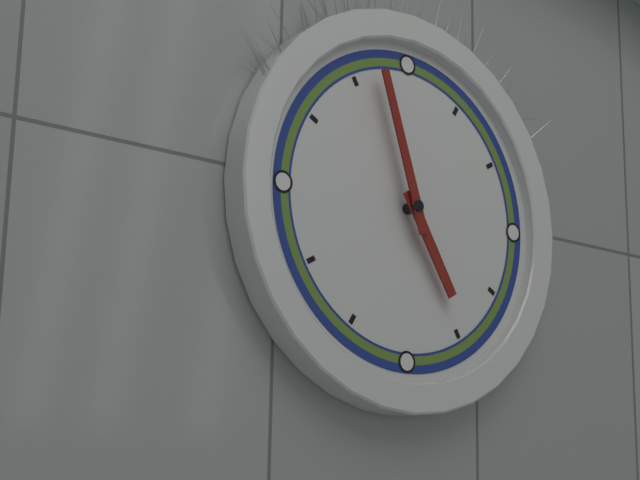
4:57
